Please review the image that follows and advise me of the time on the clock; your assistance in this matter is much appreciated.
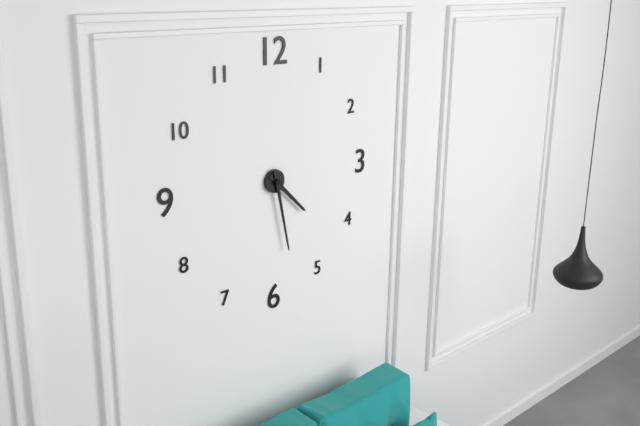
4:28
